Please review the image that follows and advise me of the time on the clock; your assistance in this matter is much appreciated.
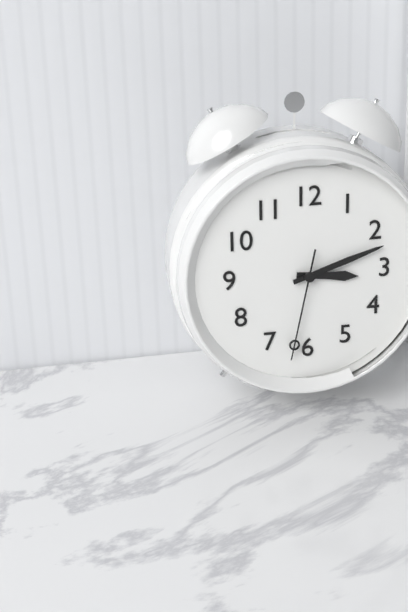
3:12:32
